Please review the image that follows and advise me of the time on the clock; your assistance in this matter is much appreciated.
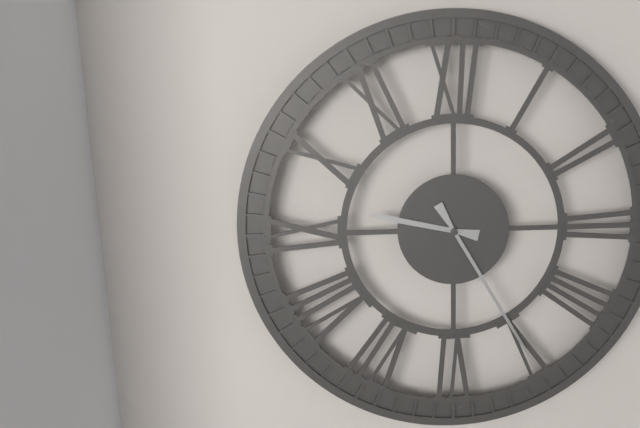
9:25
